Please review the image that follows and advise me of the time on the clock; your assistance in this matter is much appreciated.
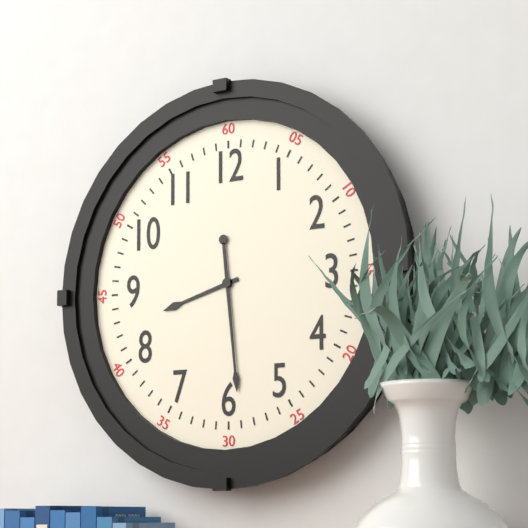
8:29
